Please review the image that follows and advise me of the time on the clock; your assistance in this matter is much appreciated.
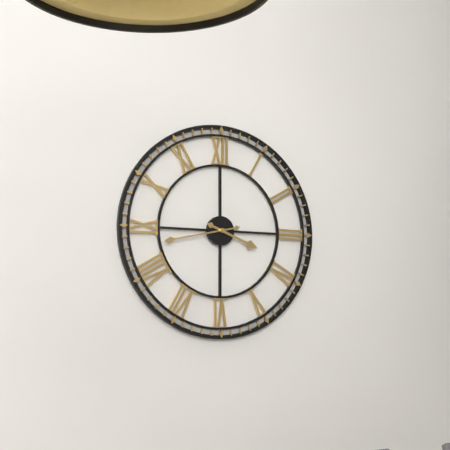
3:43
